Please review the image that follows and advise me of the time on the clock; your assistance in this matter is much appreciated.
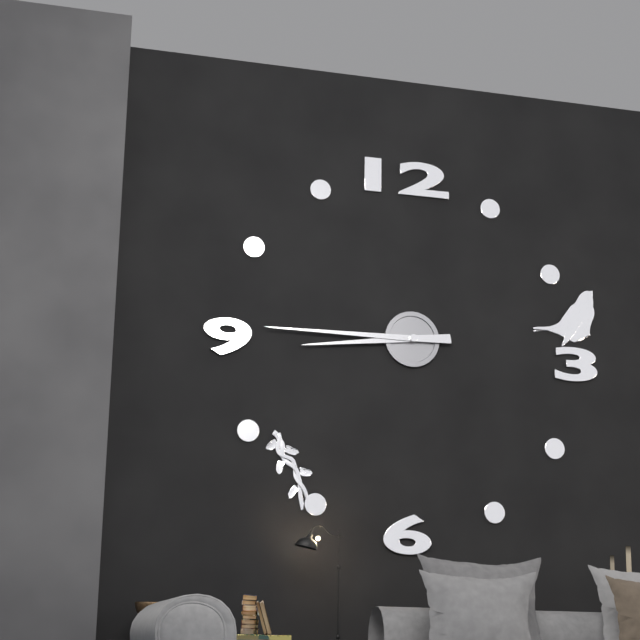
8:45
